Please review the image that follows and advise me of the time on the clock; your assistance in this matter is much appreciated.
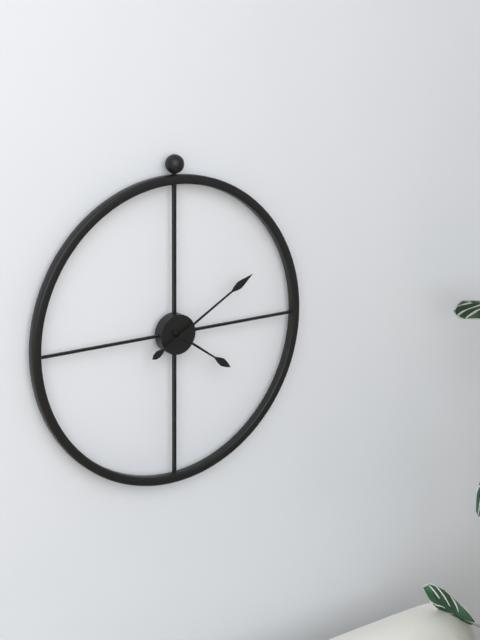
4:10
